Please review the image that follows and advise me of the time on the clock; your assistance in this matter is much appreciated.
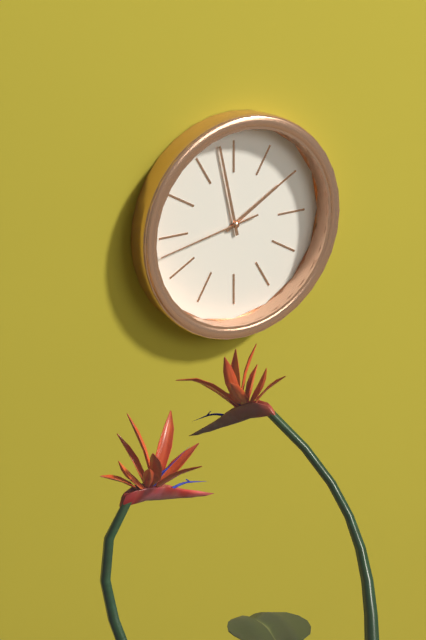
1:58:43
